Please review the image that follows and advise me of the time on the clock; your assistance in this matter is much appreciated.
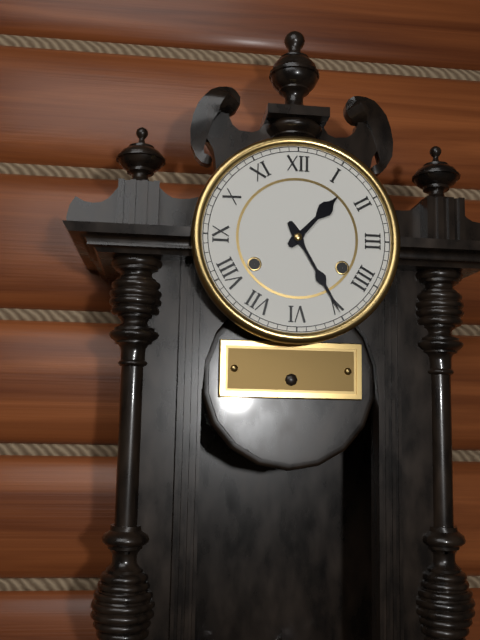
1:25
